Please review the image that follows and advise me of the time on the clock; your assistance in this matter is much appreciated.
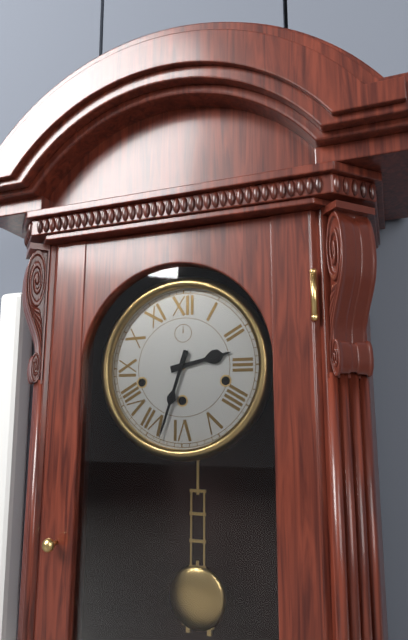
2:33
